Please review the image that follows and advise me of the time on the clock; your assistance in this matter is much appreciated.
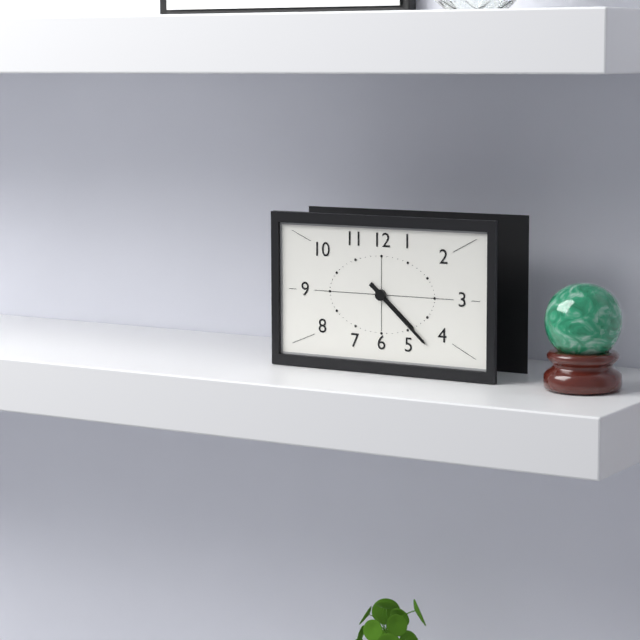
4:22
